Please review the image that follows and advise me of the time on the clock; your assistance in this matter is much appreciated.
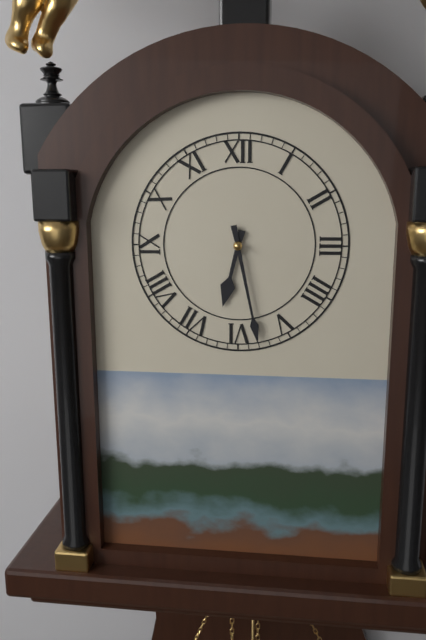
6:28
